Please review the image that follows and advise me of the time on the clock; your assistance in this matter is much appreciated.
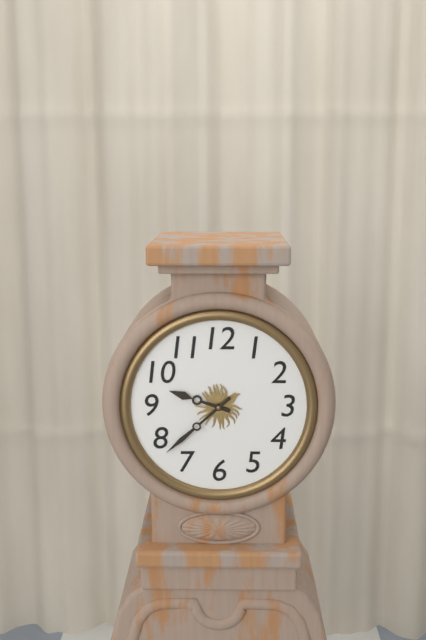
9:38
